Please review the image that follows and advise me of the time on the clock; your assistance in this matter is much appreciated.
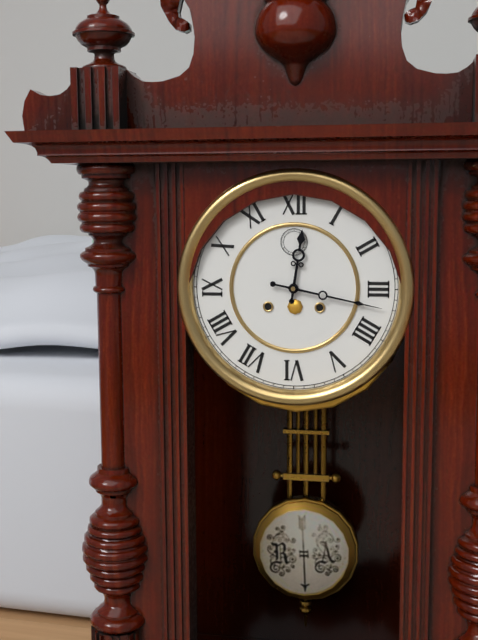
12:17
